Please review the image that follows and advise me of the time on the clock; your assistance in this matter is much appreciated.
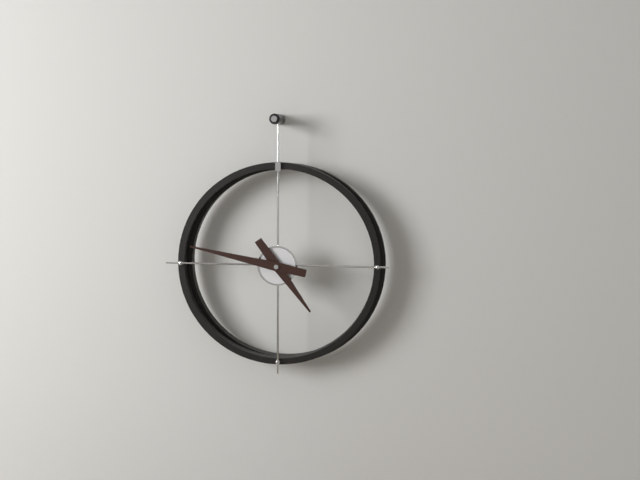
4:47
